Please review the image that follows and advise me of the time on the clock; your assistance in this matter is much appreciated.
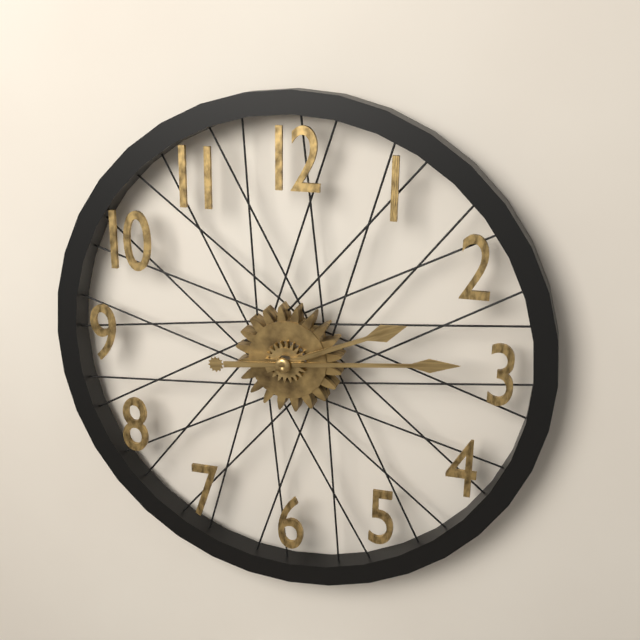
2:14
